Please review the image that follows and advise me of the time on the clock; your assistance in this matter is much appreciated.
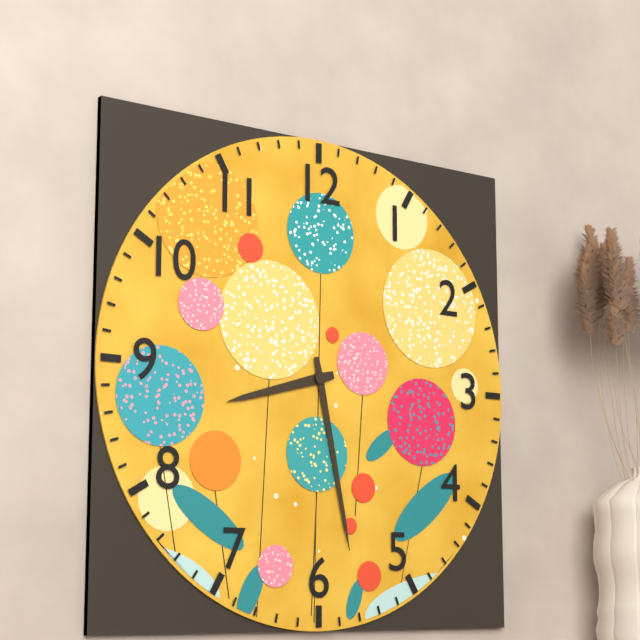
8:28
